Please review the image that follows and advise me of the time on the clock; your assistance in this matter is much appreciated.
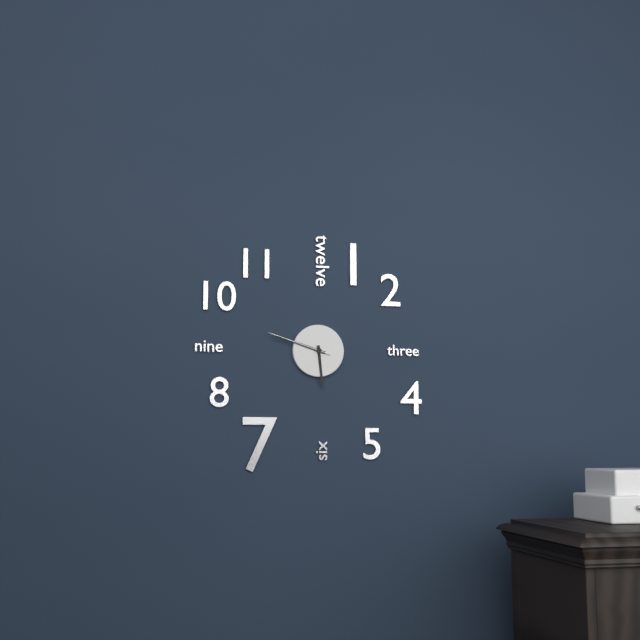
5:48:48
